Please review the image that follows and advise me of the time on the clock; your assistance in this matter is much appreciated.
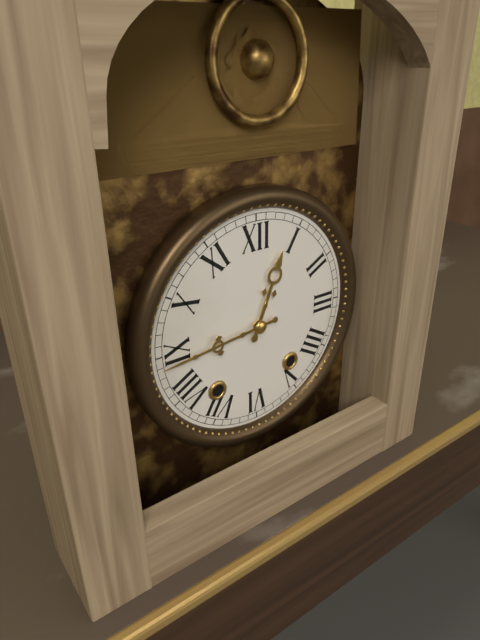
12:44
